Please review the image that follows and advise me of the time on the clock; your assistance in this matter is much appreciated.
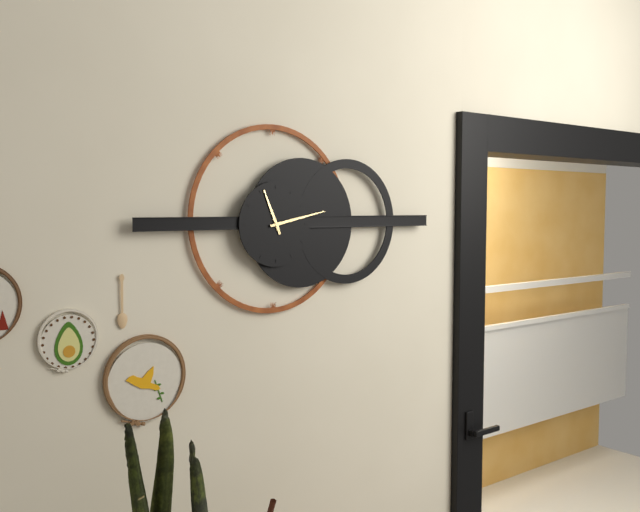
11:13
